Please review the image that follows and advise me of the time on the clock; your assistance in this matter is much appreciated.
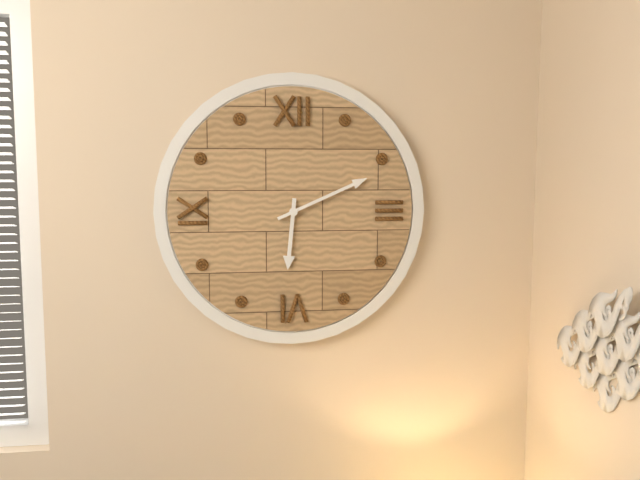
6:11
